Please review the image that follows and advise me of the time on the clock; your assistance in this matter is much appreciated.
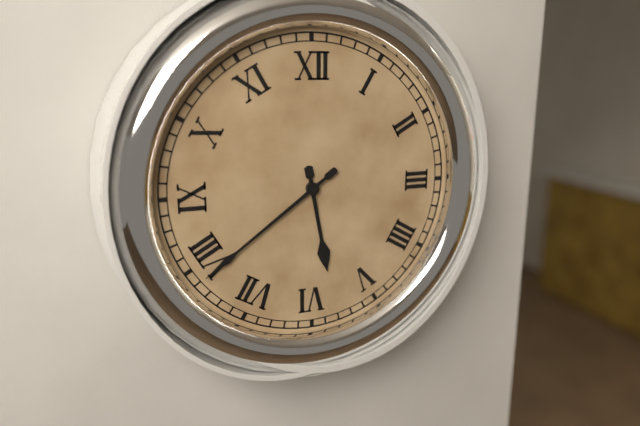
5:39
